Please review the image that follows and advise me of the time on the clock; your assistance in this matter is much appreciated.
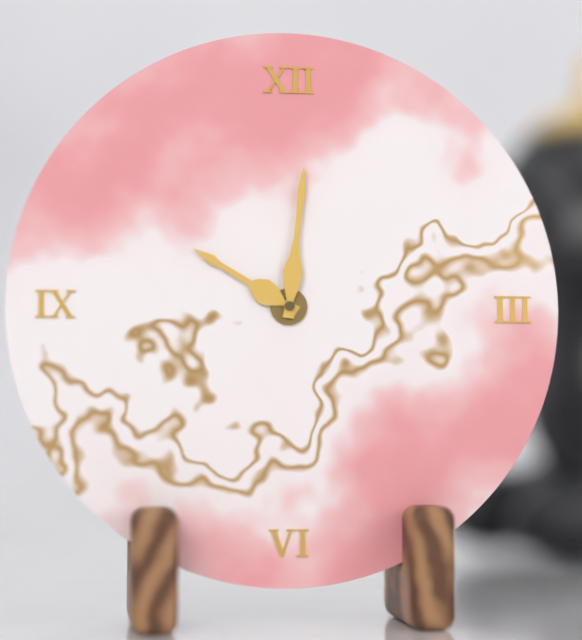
10:01
